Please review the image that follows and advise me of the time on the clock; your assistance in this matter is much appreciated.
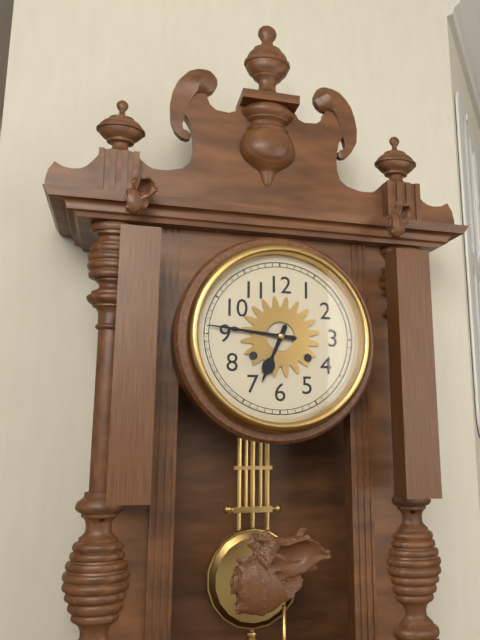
6:46
